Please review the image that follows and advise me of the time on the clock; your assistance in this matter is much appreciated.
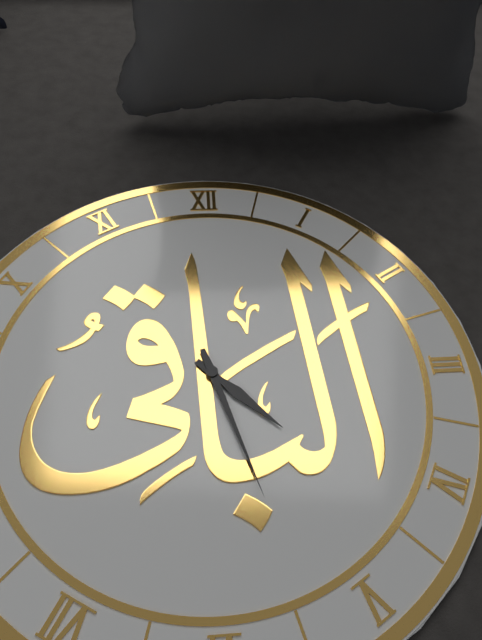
4:27
